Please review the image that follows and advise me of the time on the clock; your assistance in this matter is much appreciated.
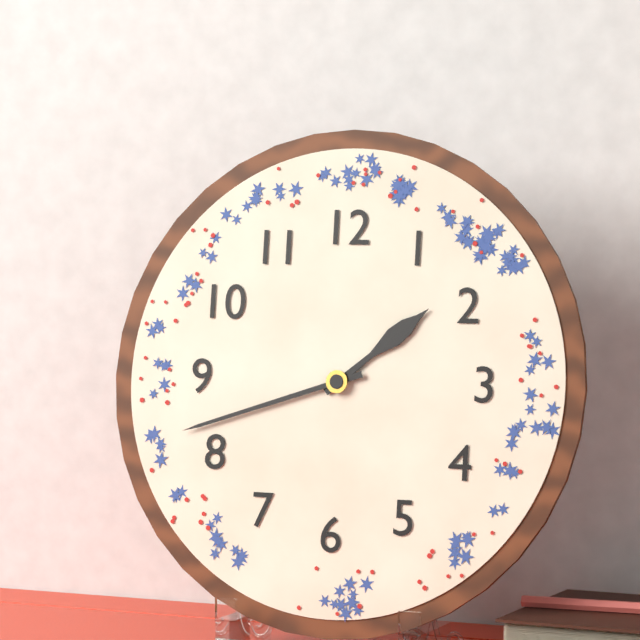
1:42
